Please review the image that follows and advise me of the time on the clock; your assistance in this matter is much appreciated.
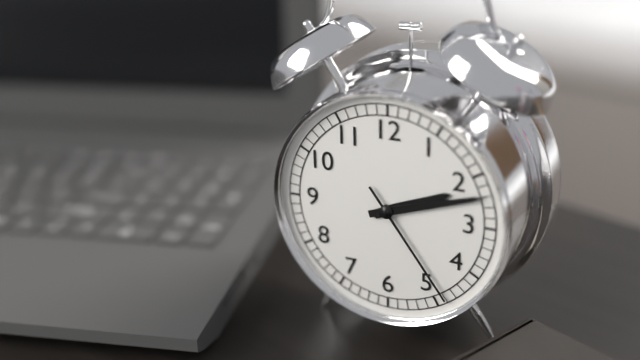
2:12:24
